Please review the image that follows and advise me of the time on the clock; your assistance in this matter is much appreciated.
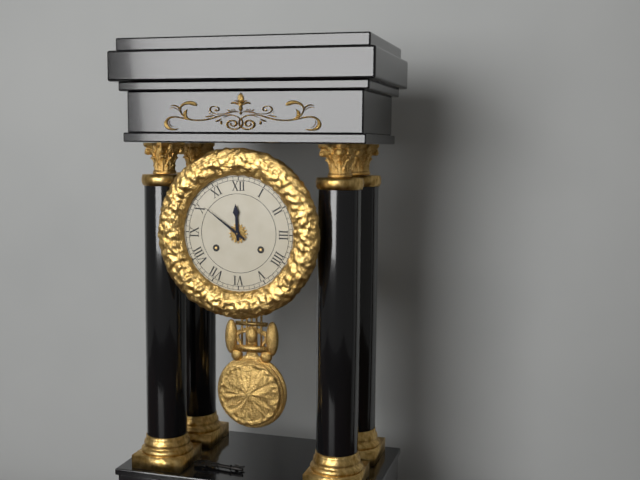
11:51
